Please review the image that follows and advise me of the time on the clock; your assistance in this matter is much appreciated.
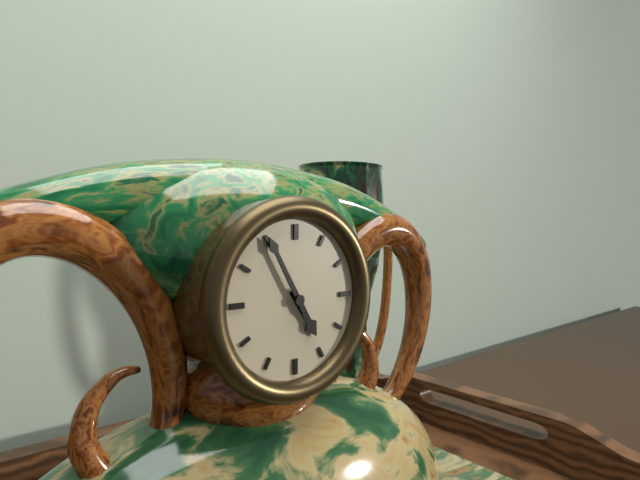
4:55
